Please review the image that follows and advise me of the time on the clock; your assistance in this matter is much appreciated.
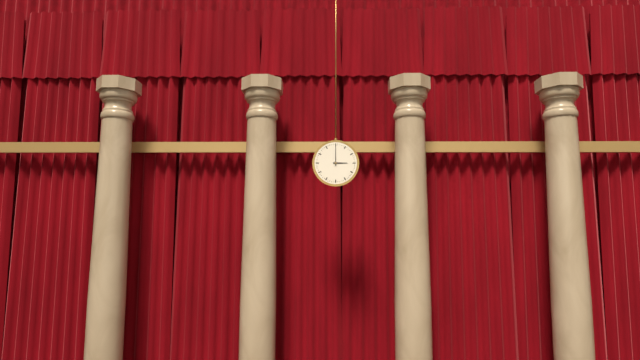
3:00
